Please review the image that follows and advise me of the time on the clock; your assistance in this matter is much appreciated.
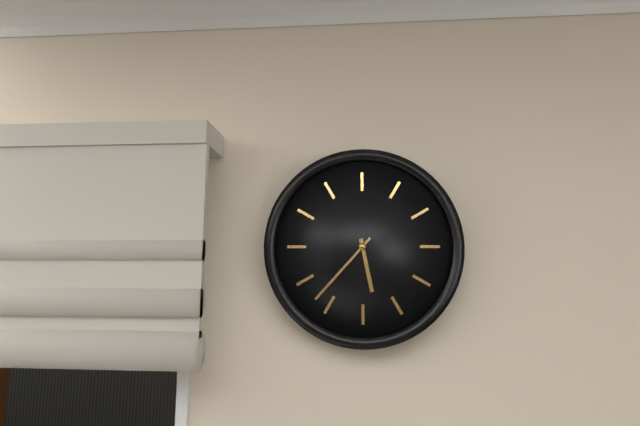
5:37
